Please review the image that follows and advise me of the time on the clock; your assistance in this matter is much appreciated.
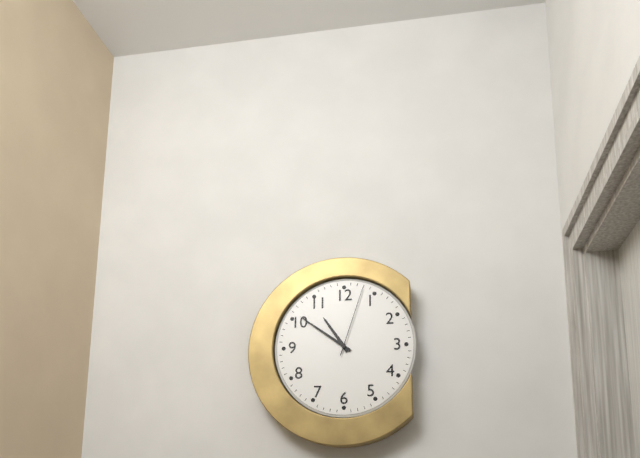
10:51:03
